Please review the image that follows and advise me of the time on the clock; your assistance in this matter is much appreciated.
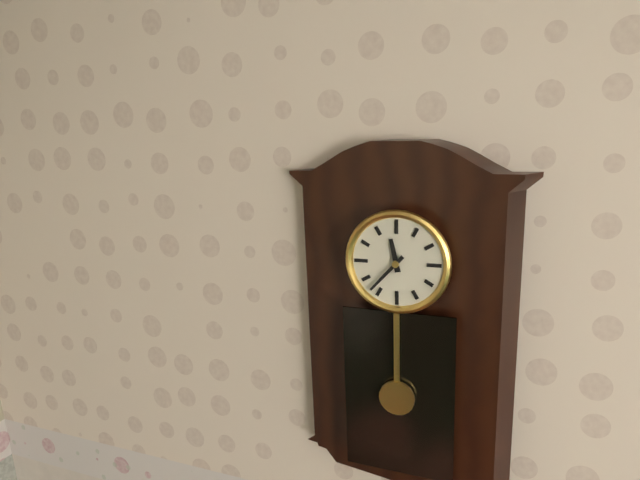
11:37
